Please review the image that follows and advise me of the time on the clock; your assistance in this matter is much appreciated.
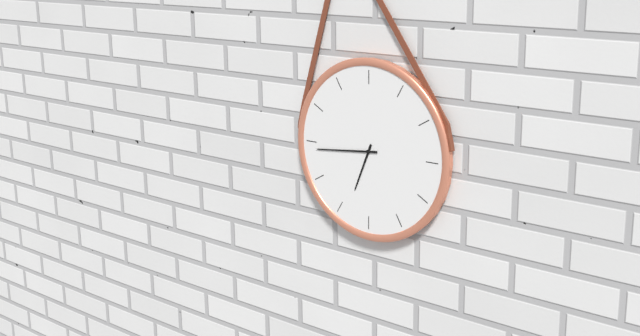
6:44
